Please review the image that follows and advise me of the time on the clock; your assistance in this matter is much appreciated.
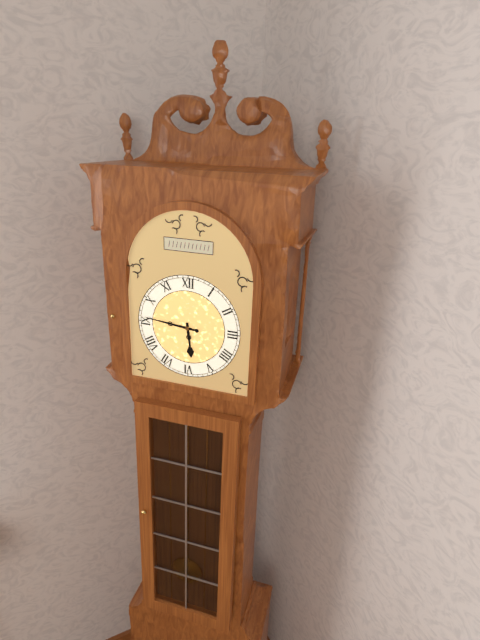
5:46
